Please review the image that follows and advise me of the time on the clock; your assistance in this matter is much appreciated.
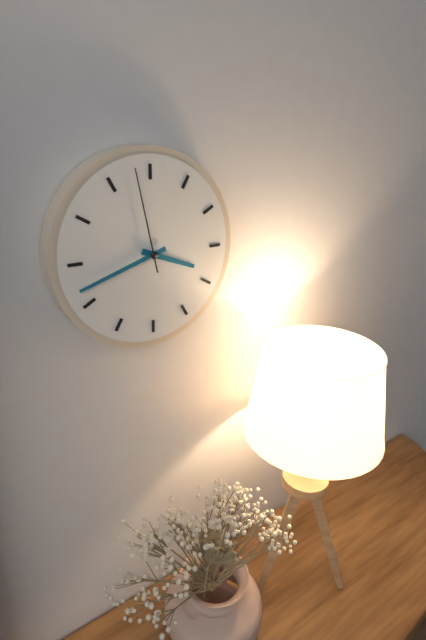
3:42:58
